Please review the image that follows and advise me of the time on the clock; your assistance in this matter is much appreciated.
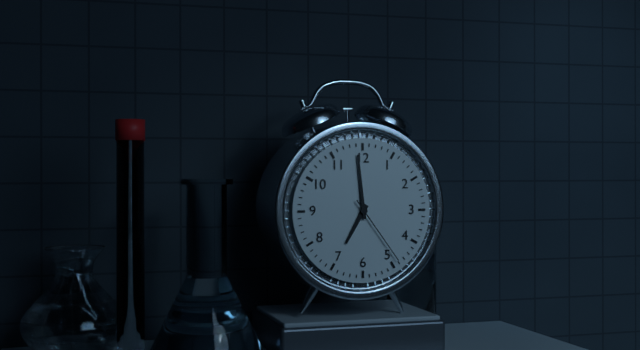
6:59:24
